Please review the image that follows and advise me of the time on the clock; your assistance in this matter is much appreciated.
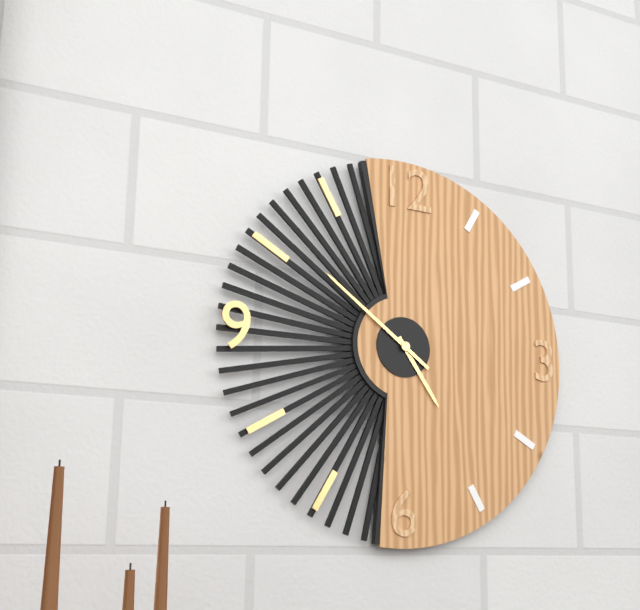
4:51
